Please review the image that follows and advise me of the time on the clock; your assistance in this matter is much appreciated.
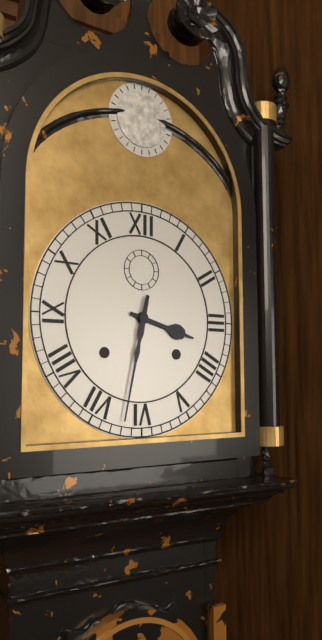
3:32
